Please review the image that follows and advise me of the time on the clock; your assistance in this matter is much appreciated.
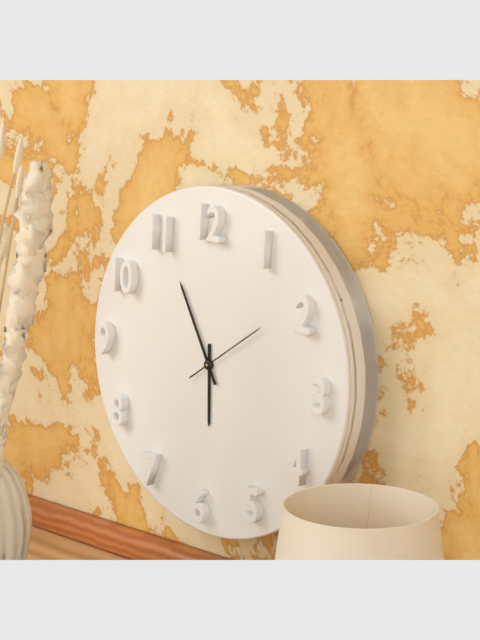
5:55:09
